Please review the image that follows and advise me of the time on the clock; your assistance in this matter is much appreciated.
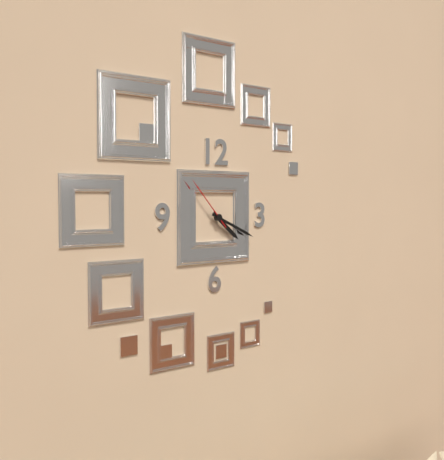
4:19:53
